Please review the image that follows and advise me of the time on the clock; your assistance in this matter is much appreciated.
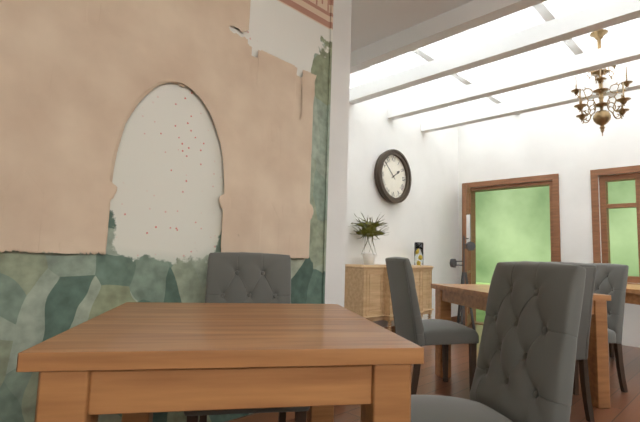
1:52
